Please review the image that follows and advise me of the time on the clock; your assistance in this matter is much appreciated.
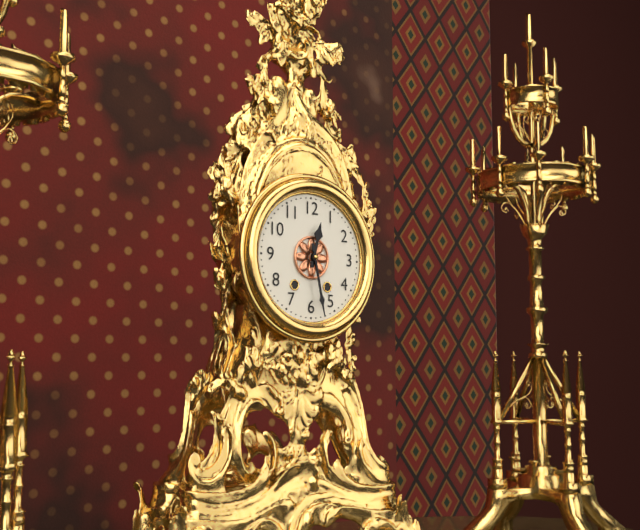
12:28
